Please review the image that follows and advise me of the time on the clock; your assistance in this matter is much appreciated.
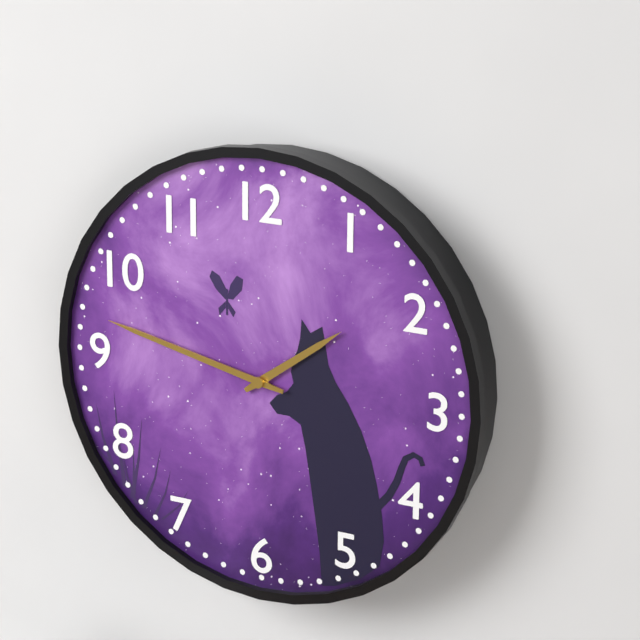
1:47
